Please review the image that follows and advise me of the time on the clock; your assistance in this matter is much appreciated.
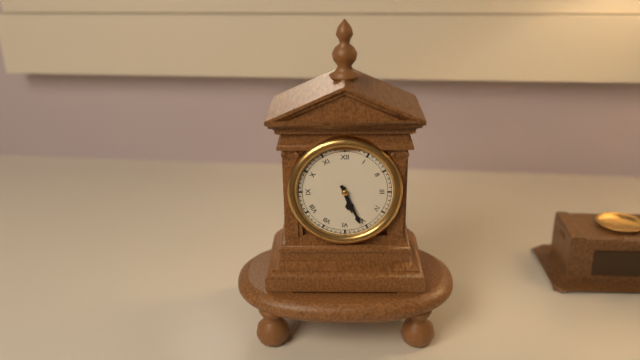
5:26
